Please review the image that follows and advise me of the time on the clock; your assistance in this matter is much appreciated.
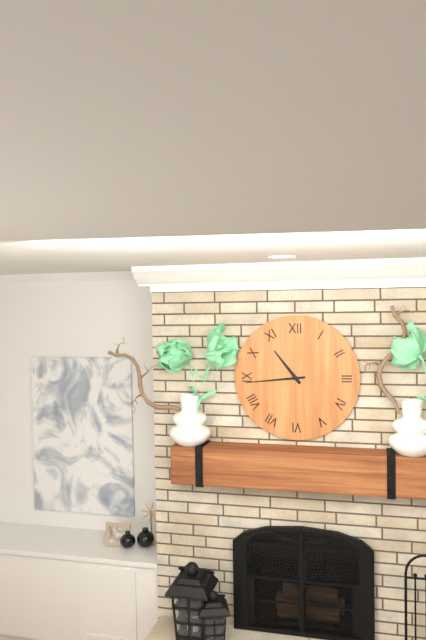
10:44
